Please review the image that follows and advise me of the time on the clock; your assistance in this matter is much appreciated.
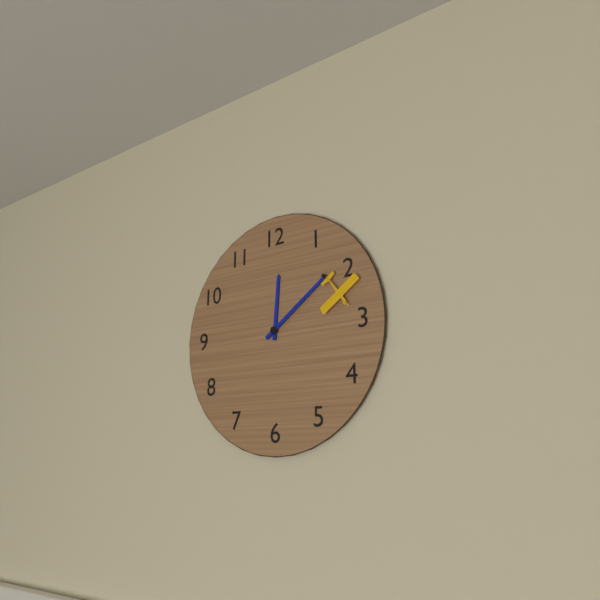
12:09
